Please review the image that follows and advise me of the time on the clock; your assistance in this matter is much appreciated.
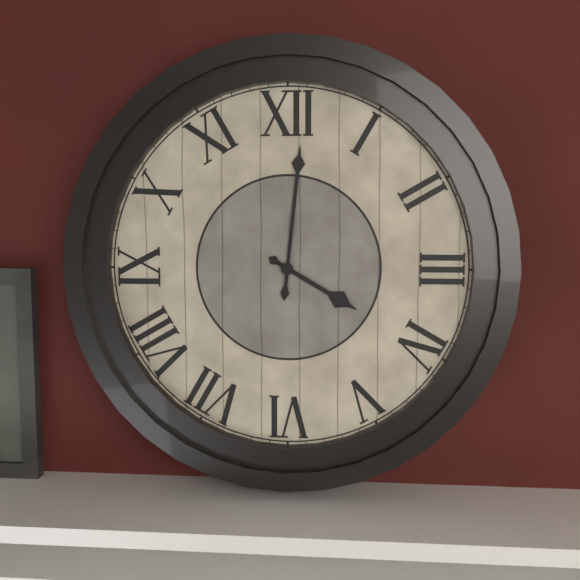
4:01
